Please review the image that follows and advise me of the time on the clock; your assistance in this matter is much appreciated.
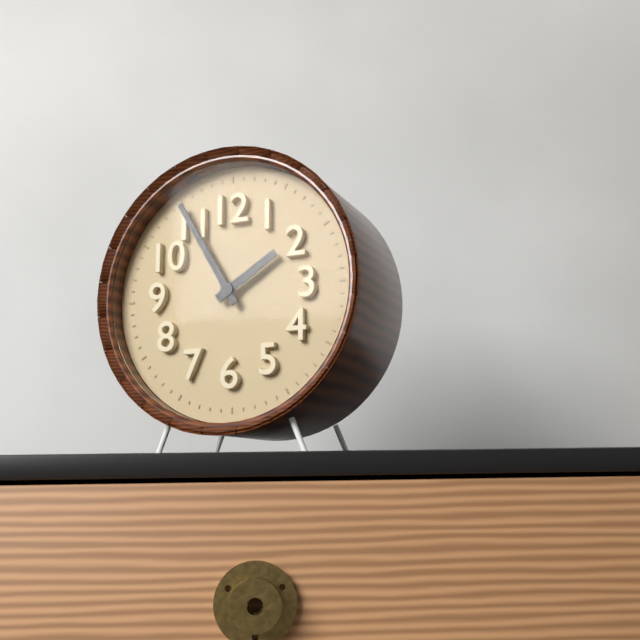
1:55
